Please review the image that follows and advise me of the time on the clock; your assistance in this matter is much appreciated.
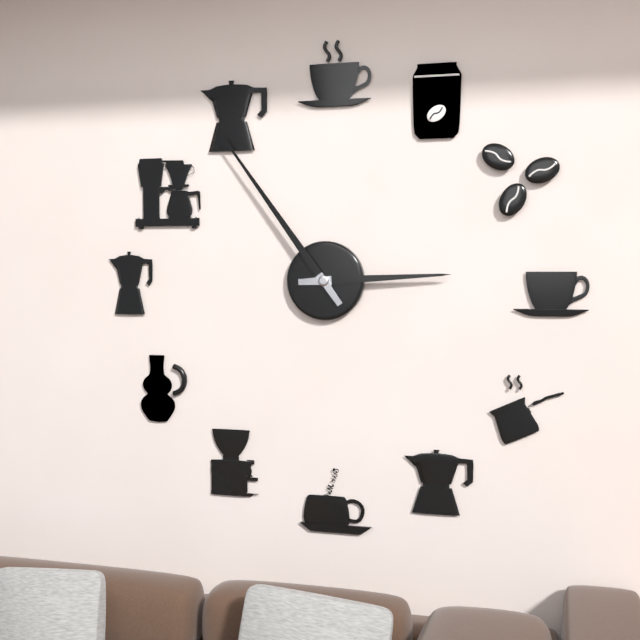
2:54
